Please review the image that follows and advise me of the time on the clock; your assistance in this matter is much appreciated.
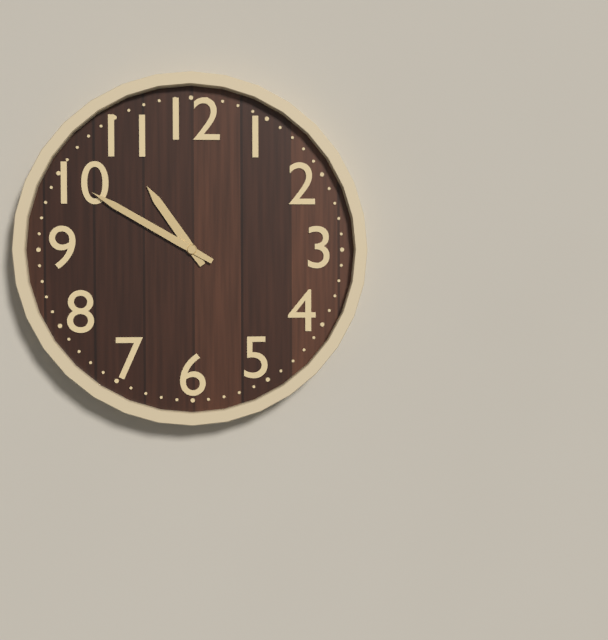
10:50
